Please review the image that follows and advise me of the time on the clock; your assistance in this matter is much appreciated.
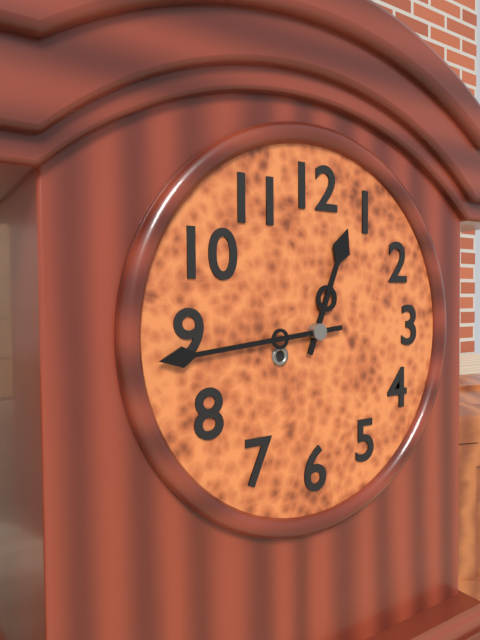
12:44
